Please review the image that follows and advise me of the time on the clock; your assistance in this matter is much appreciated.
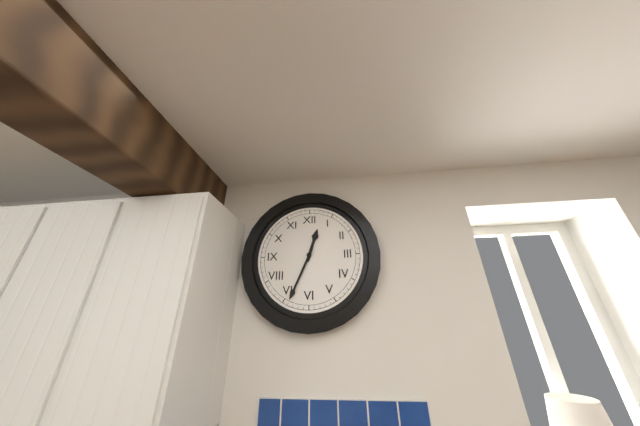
12:34
